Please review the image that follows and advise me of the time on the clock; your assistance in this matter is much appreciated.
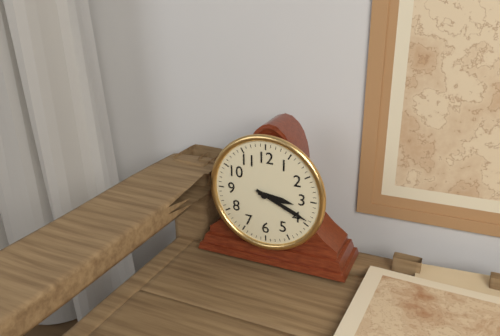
3:19
